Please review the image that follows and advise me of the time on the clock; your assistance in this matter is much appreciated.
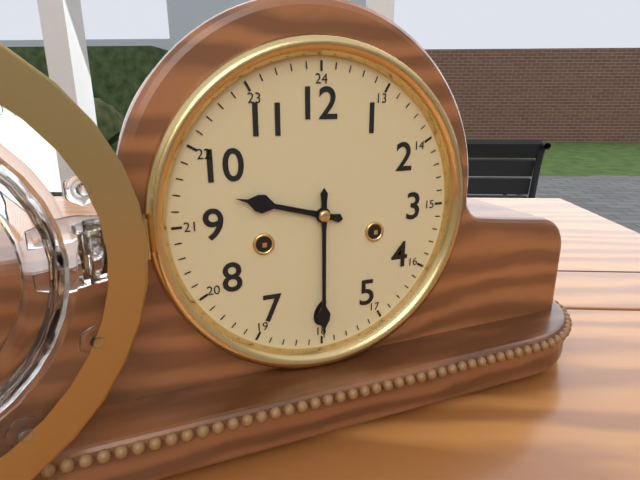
9:30
